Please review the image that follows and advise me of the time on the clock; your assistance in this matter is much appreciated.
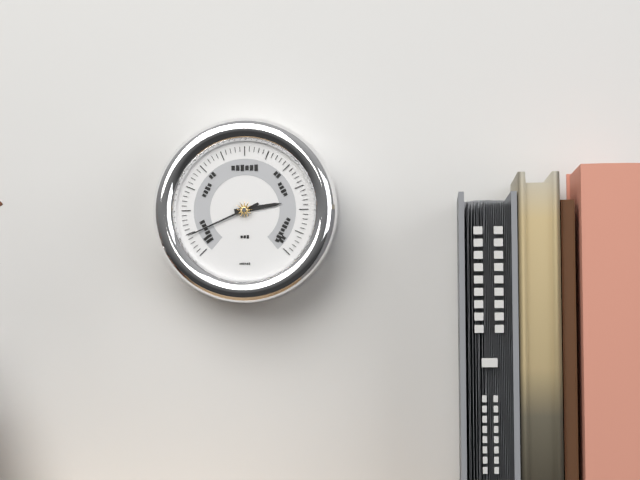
2:41
